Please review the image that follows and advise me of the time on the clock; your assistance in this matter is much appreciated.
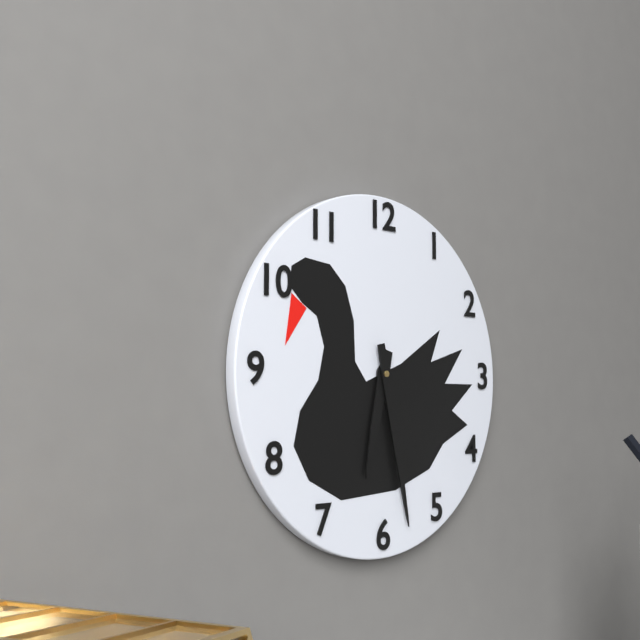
6:28
